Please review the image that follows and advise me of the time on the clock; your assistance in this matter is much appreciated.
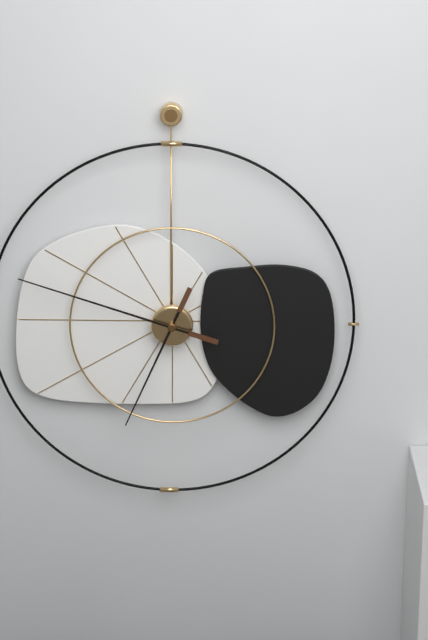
6:48
